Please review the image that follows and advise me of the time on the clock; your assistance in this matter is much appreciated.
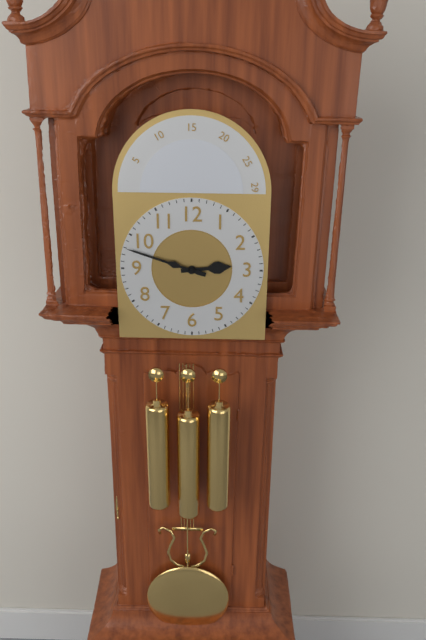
2:48
